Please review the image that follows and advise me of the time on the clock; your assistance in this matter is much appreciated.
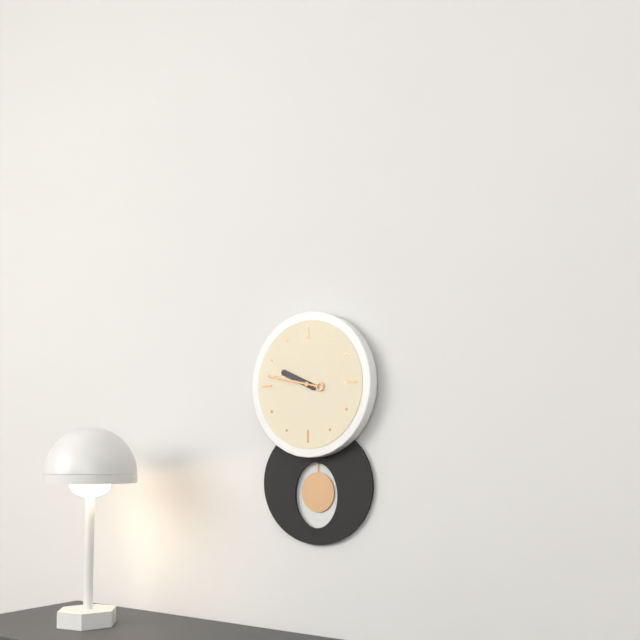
9:47
